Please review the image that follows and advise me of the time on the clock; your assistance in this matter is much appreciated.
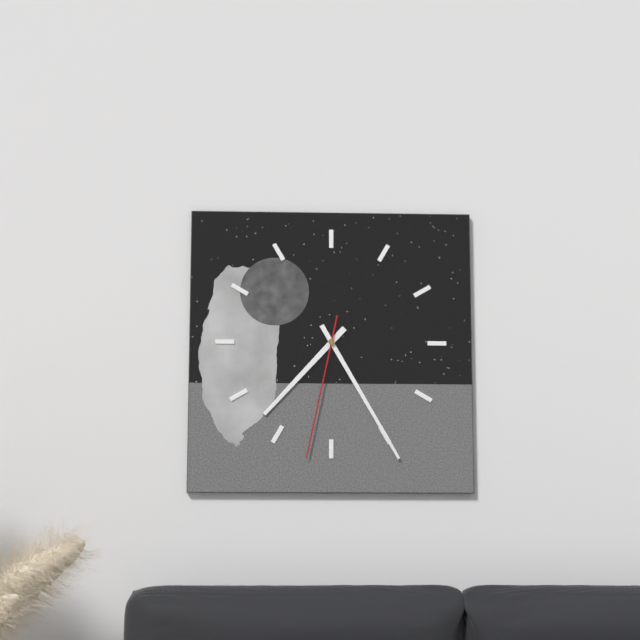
7:25:32
